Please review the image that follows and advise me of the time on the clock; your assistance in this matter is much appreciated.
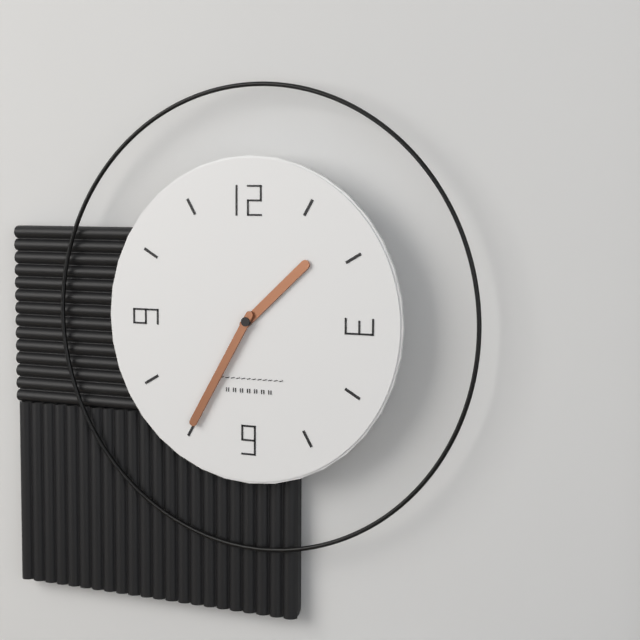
1:35
